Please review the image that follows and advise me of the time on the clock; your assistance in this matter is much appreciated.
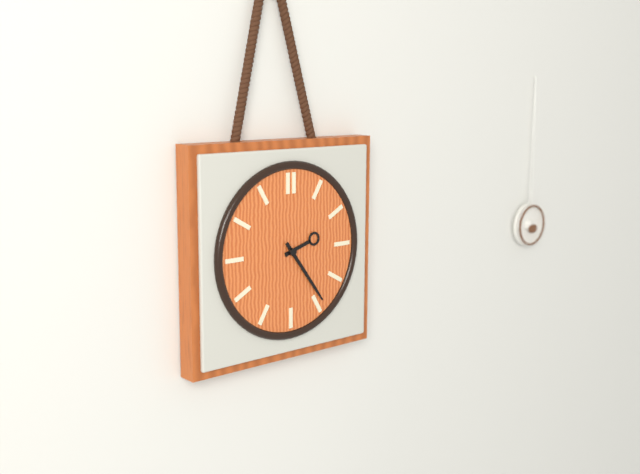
2:24
